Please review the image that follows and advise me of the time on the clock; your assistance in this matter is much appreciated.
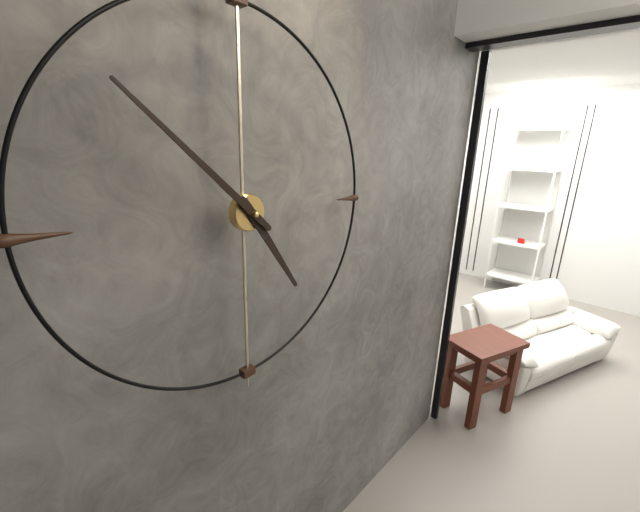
4:52
